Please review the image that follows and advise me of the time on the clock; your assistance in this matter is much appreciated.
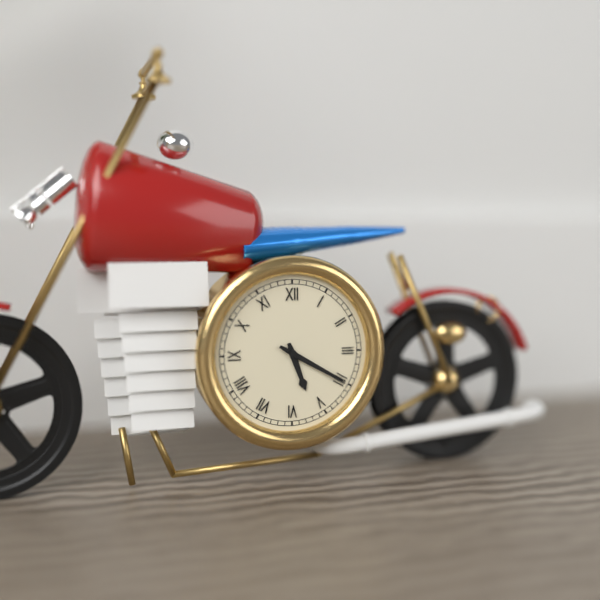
5:20
